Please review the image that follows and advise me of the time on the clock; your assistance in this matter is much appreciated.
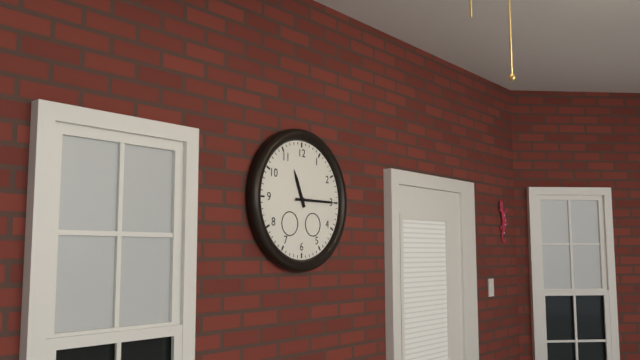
11:15
